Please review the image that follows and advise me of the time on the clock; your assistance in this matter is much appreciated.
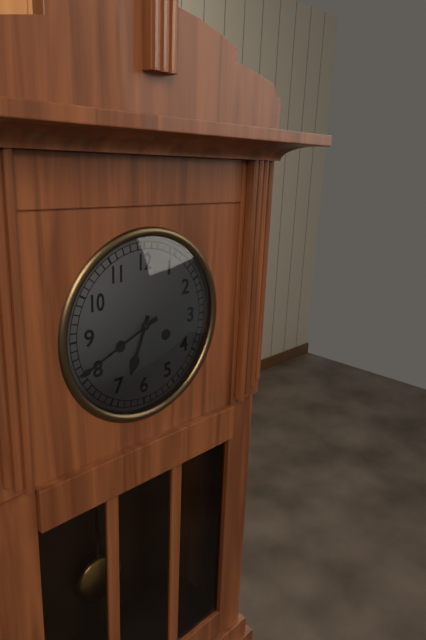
6:41
